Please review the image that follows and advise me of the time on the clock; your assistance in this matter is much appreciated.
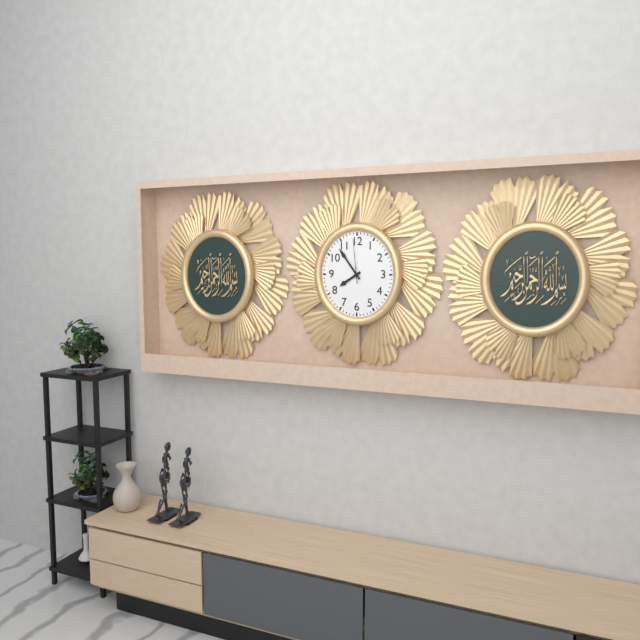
7:54
